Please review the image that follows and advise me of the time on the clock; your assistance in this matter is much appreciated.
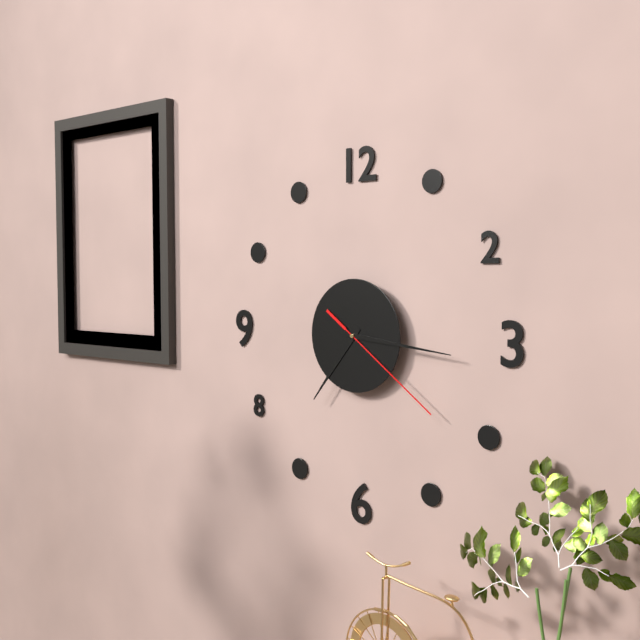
7:16:21
